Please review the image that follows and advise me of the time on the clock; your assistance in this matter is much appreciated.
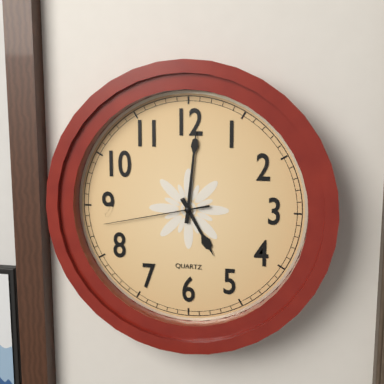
5:01:43
